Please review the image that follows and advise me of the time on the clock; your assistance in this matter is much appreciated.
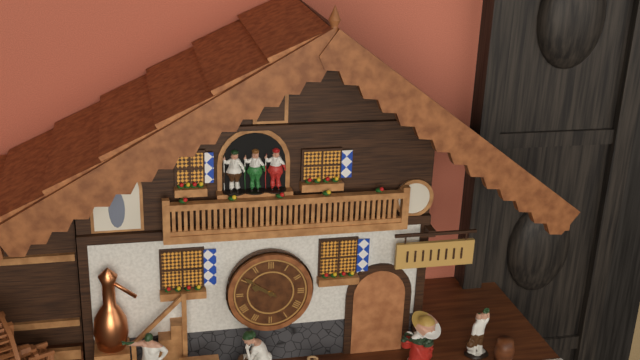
9:51
